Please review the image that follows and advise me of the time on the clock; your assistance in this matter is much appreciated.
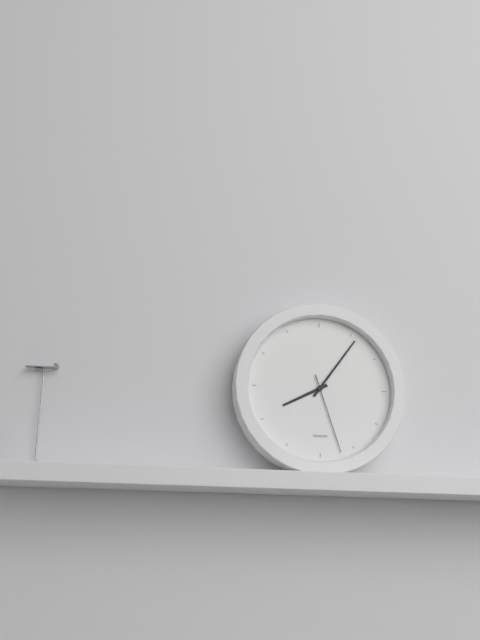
8:06:27
